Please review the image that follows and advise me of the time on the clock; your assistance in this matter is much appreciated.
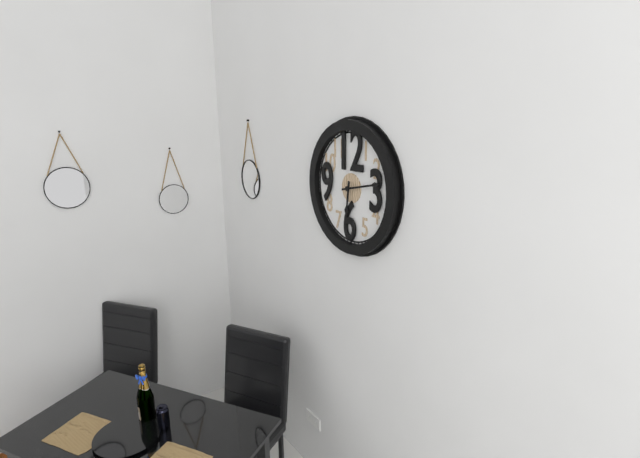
6:13
